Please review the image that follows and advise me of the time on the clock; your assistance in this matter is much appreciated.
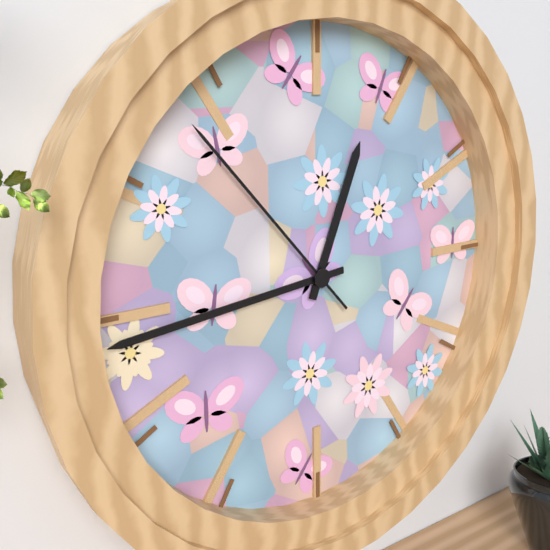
12:44:53
